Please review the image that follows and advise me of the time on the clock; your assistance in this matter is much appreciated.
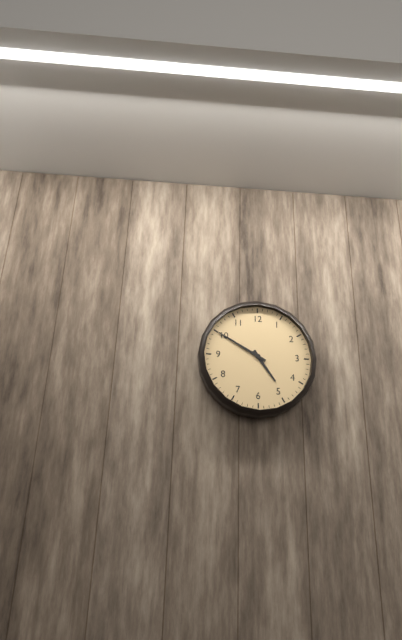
4:50
